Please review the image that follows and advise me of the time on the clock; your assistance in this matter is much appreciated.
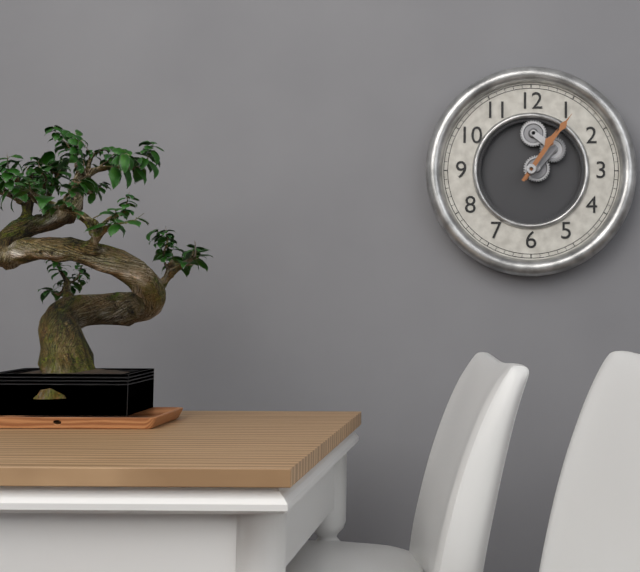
1:06
